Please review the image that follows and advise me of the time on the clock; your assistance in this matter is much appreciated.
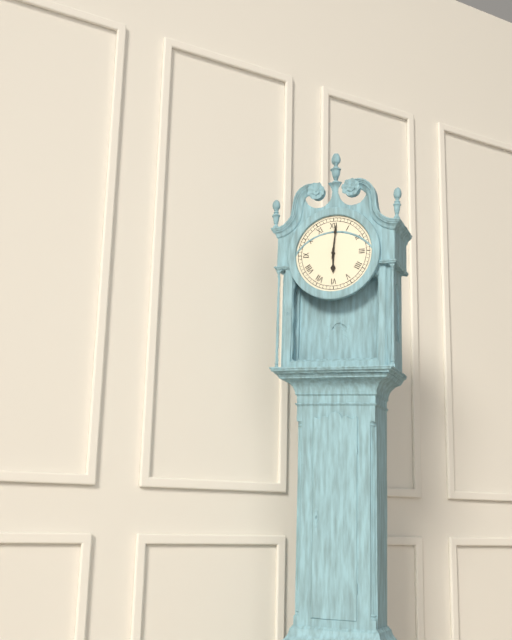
6:01
